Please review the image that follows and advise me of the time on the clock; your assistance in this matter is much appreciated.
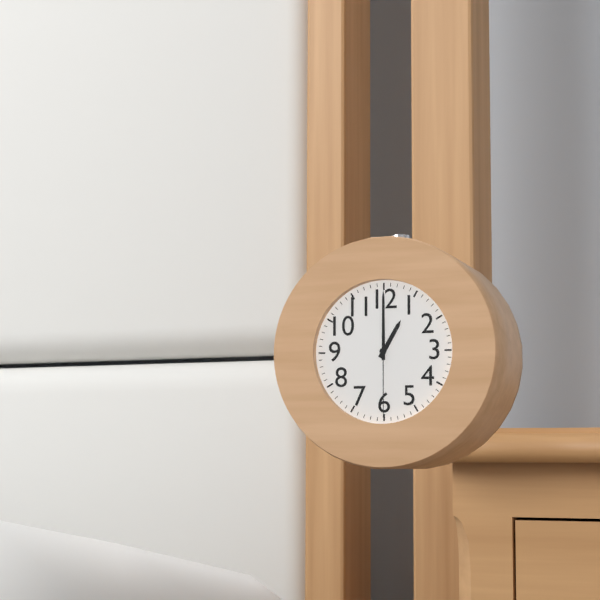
1:00:30
